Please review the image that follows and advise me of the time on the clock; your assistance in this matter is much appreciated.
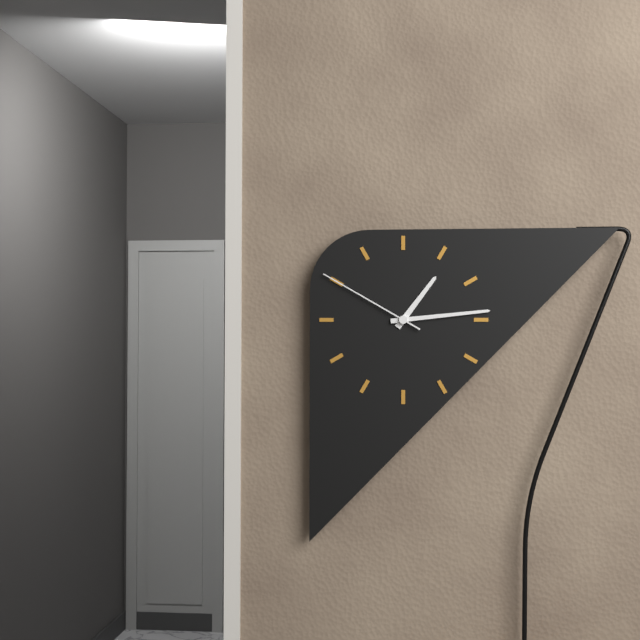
1:14:50
